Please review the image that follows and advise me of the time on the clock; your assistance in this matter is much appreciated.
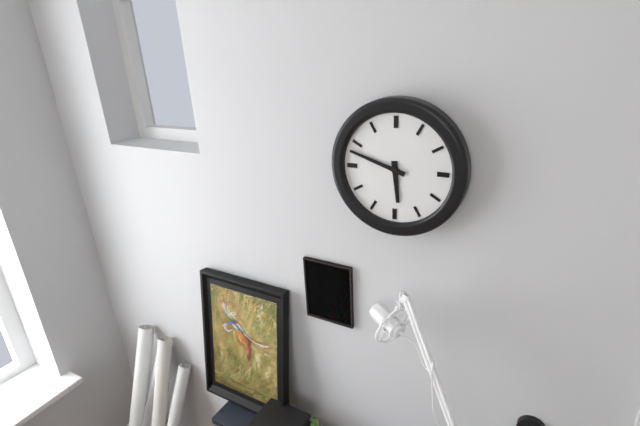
5:48
